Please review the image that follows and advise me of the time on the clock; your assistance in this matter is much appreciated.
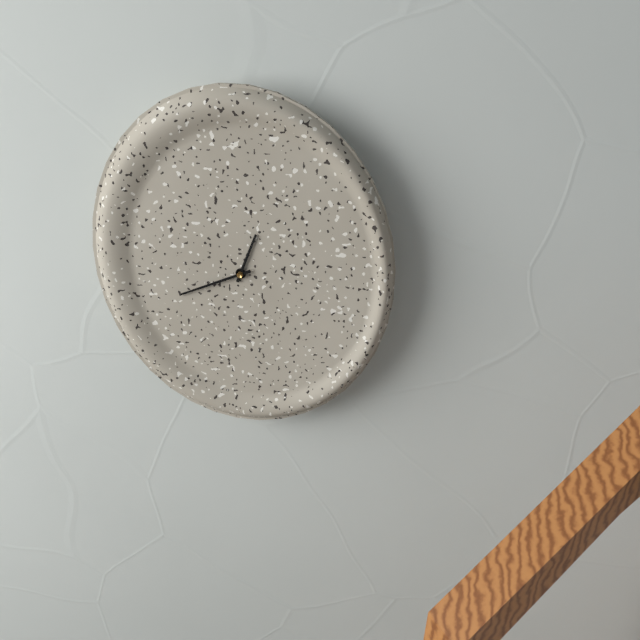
12:41
